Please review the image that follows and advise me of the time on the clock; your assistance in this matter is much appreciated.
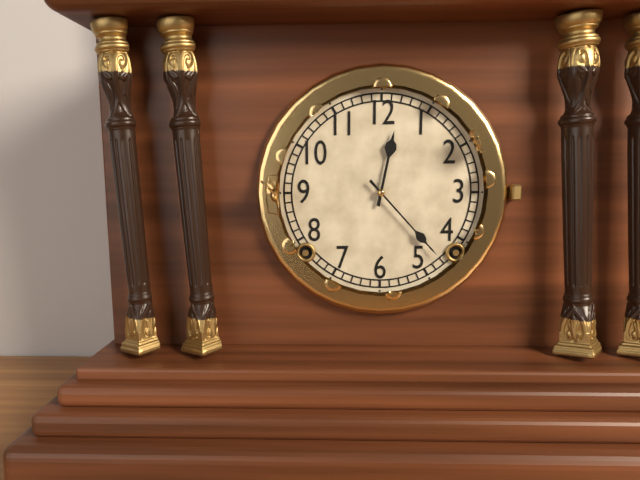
12:23
